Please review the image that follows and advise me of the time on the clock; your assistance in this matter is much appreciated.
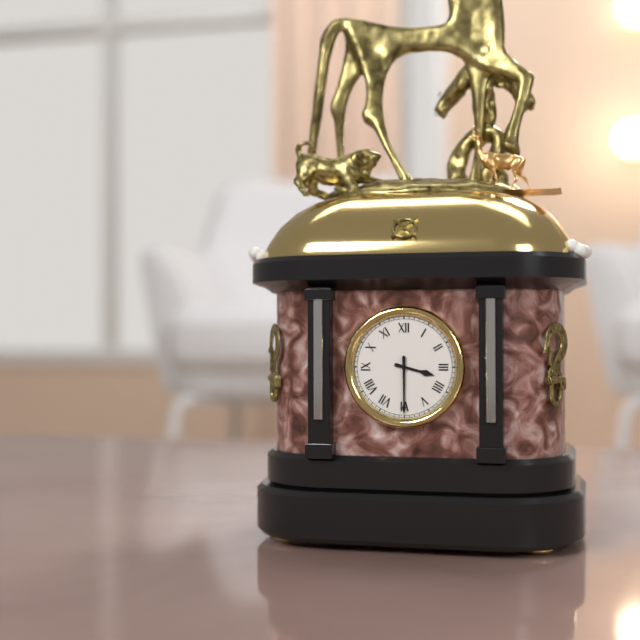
3:30
